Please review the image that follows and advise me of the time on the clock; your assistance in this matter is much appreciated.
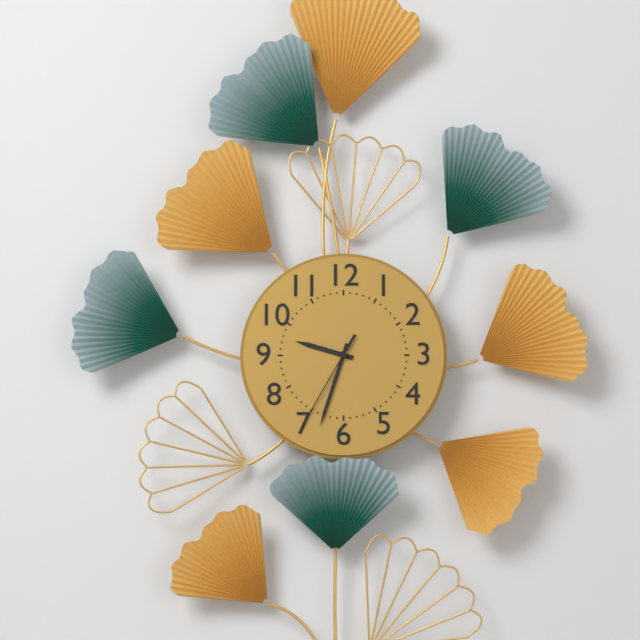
9:33:35
